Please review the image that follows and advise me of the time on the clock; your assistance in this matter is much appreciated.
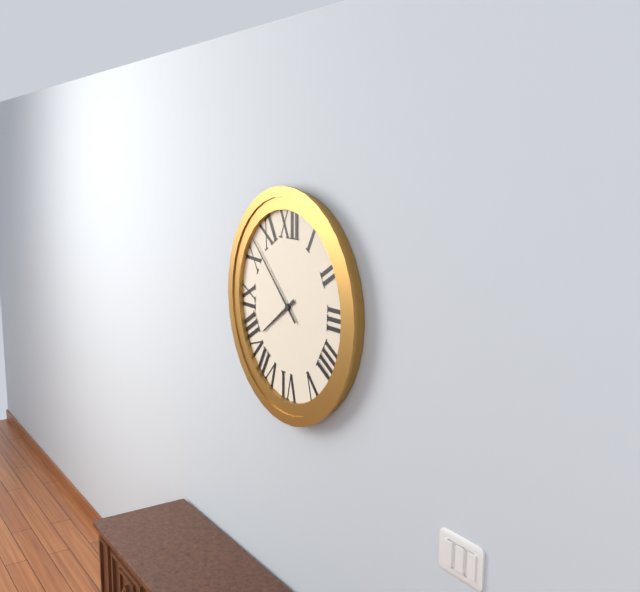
7:52
